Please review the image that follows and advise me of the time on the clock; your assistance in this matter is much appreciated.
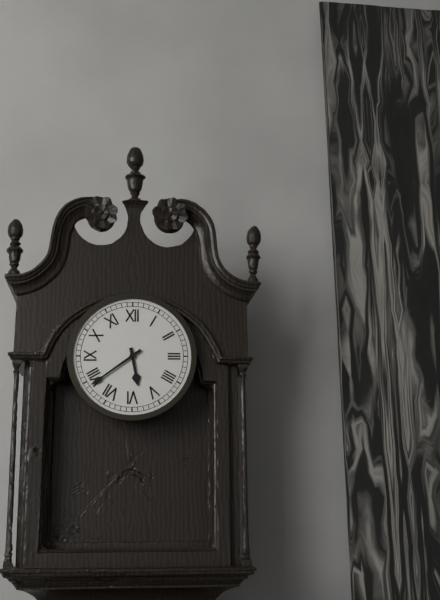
5:39
